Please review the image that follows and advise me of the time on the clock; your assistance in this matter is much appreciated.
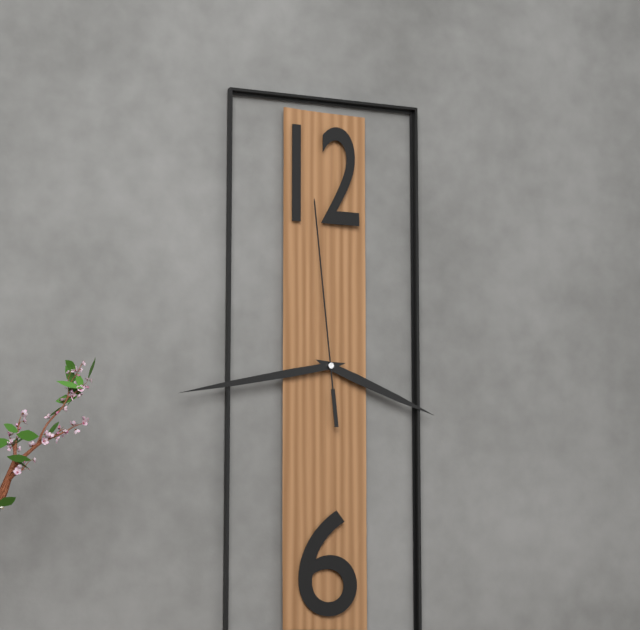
3:43:59
